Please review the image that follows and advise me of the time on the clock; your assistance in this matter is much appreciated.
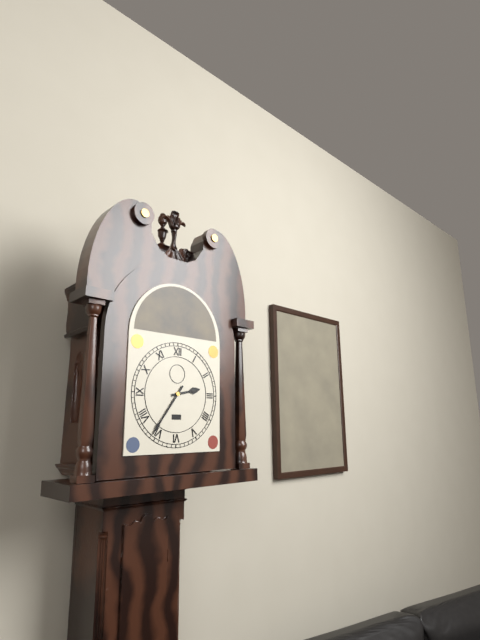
2:36
